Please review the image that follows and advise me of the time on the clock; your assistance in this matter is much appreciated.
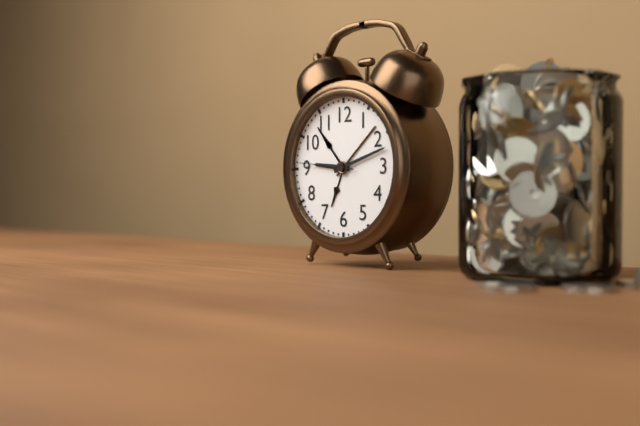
9:12:46
